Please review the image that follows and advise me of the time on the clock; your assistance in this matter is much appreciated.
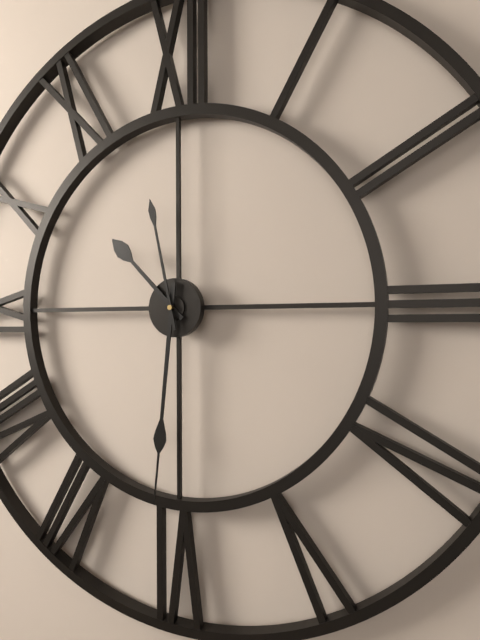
10:31:58
